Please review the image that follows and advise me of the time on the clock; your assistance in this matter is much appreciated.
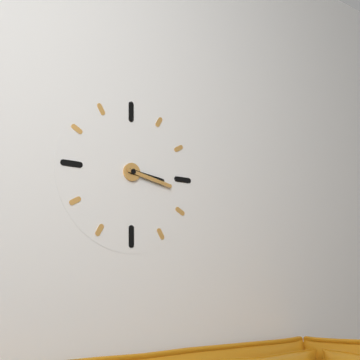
3:17
